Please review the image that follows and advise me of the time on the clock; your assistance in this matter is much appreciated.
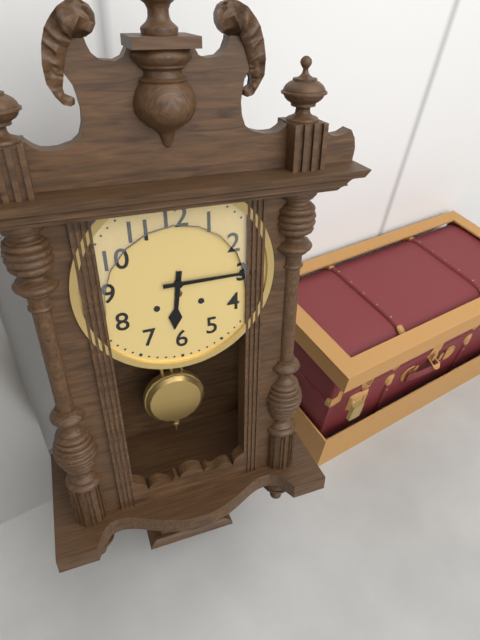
6:15
